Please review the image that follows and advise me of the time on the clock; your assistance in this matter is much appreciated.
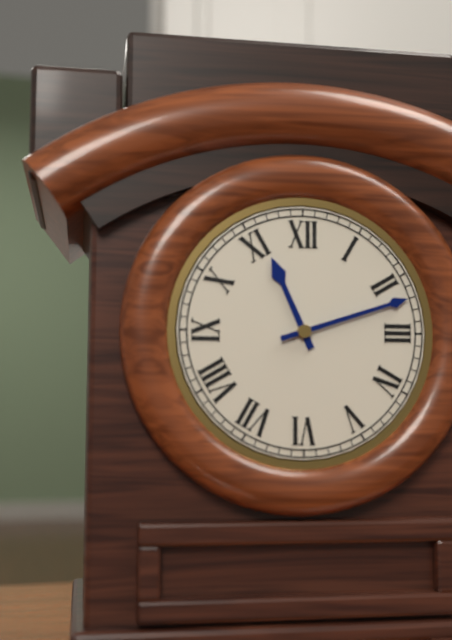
11:12
